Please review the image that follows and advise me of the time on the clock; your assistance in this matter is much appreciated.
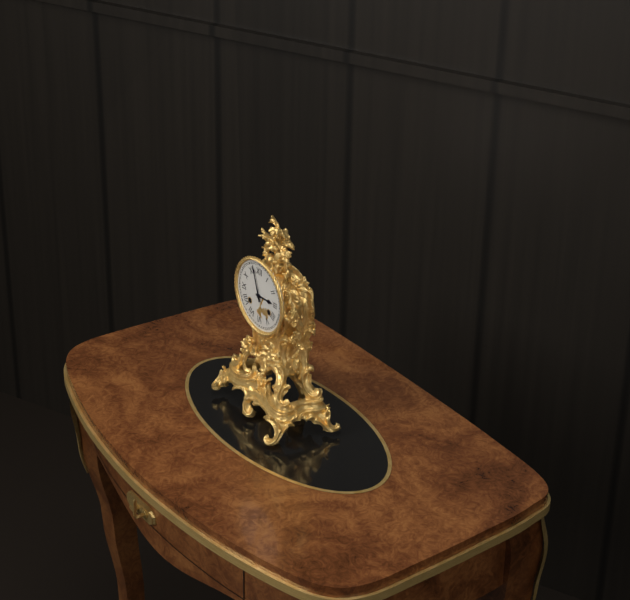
2:57
